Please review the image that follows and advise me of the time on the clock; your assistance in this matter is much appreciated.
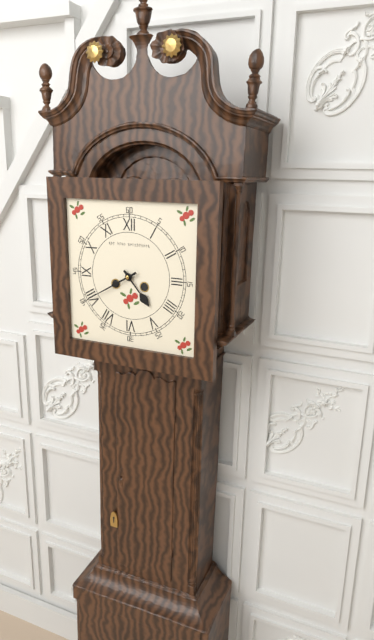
4:40
